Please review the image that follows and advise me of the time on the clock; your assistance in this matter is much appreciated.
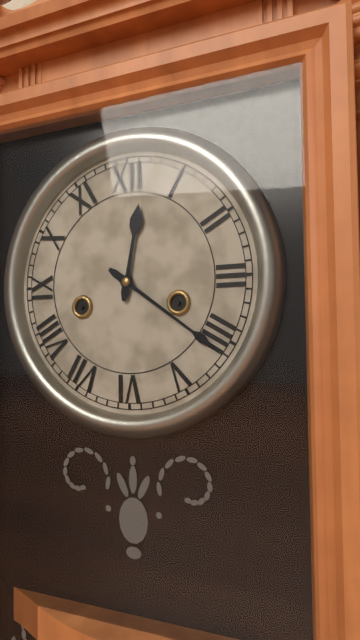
12:21
